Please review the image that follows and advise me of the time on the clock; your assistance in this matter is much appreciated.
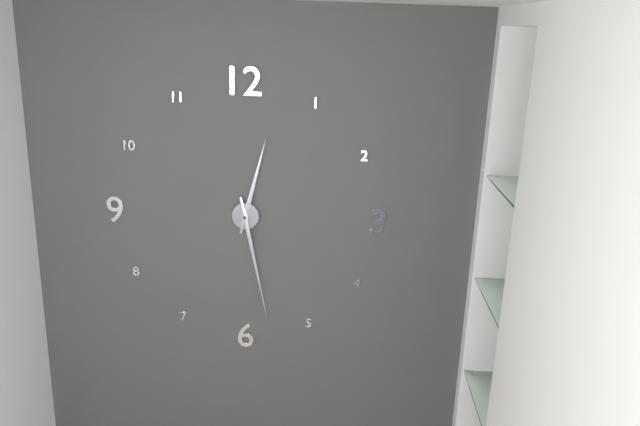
12:28
